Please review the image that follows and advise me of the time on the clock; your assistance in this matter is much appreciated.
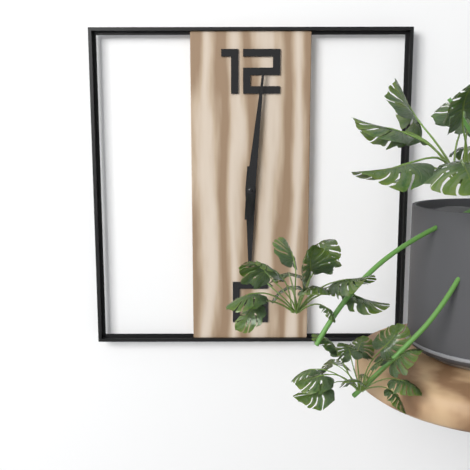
6:01
